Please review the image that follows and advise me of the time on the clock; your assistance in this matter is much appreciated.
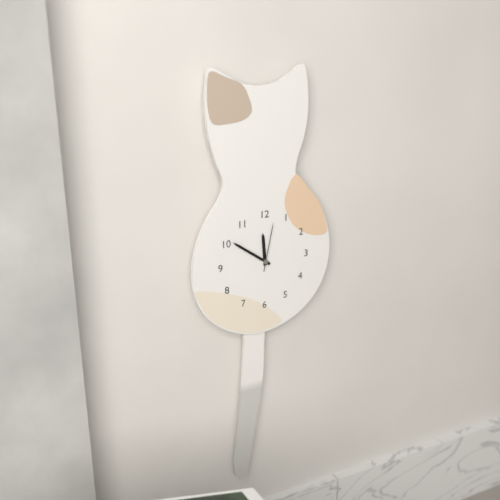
11:51
